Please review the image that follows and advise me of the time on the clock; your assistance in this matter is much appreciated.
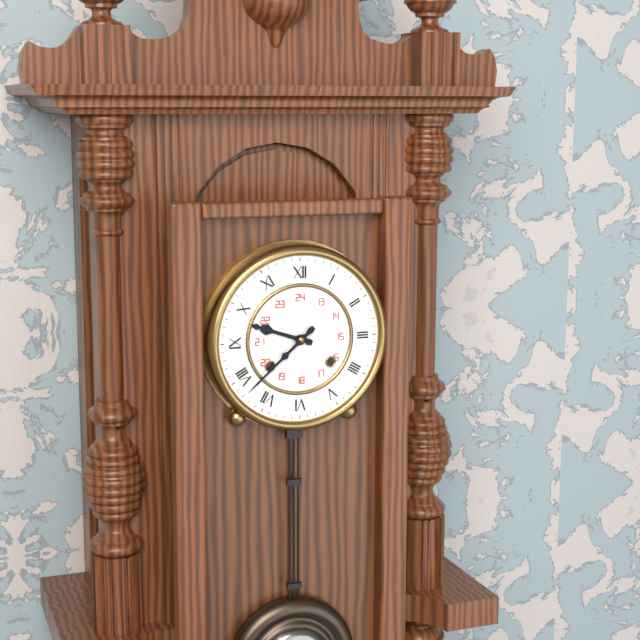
9:38
